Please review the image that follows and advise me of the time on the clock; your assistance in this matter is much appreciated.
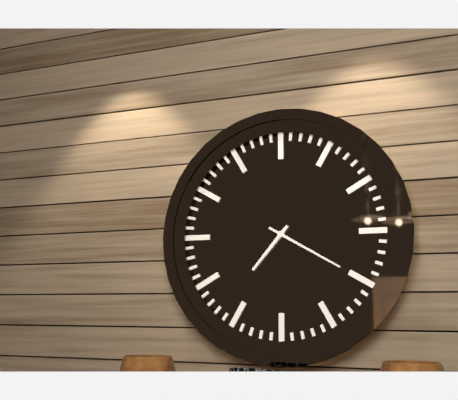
7:20
